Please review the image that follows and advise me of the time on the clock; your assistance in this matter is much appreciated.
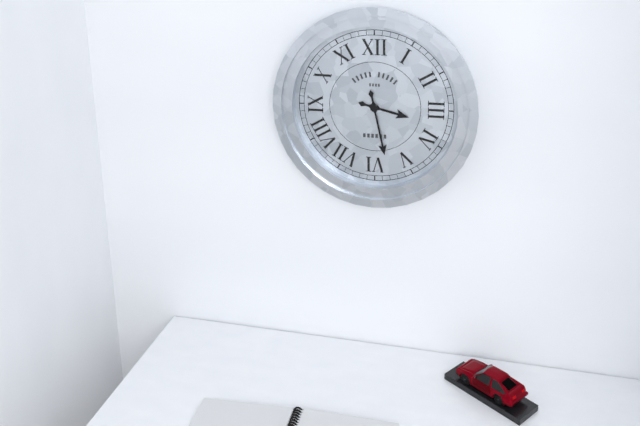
3:28
